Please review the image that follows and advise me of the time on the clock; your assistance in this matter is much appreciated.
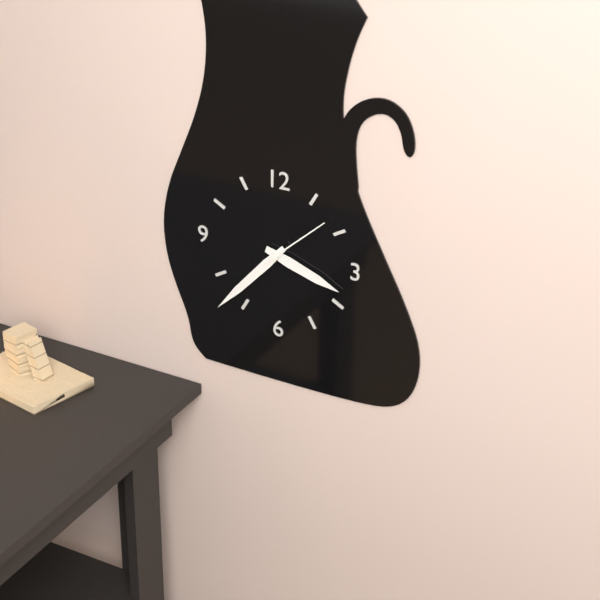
3:37:08
